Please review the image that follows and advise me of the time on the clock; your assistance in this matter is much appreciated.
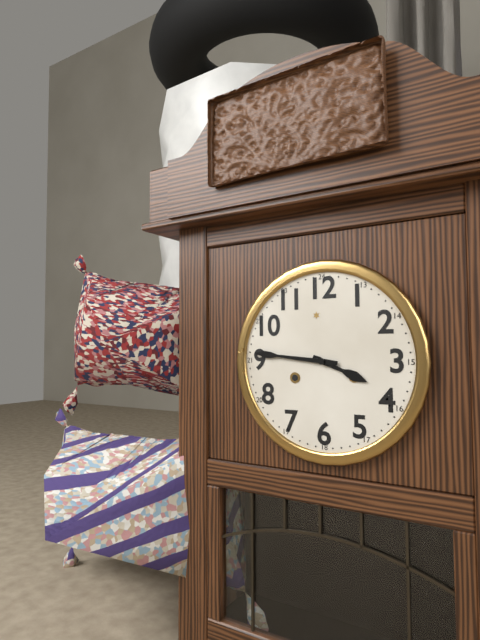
3:46
